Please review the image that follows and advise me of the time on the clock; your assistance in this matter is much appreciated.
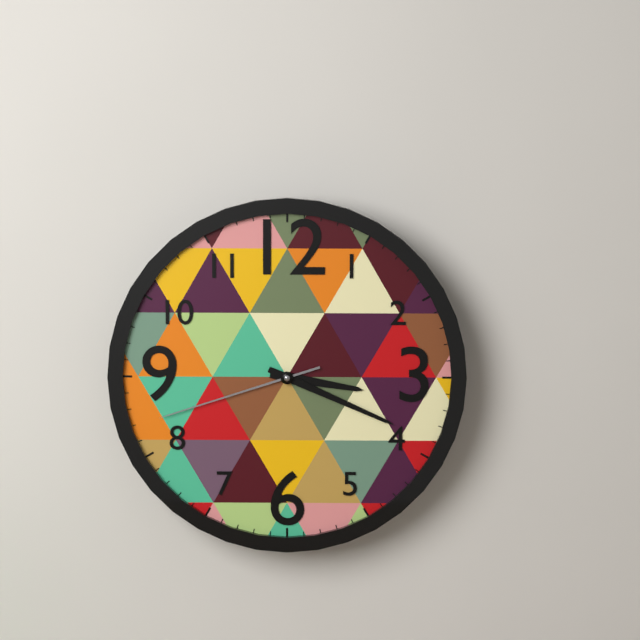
3:19:42
